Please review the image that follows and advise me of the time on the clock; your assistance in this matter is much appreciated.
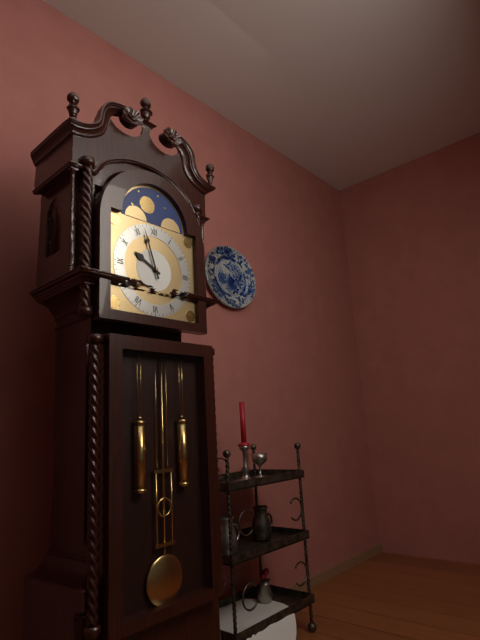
9:57
